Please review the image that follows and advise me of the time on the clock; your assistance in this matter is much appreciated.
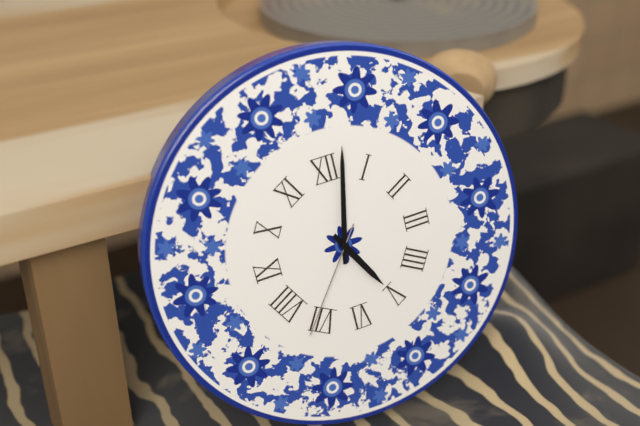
5:02:36
